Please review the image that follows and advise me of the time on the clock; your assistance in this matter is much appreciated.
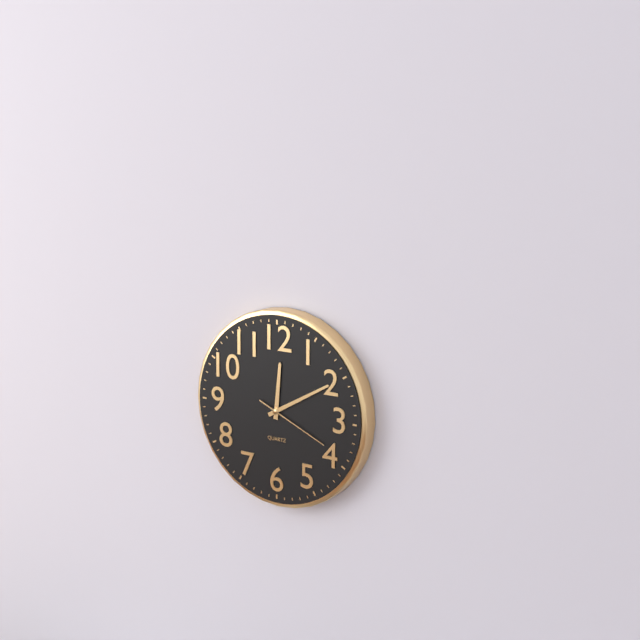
12:10:19
